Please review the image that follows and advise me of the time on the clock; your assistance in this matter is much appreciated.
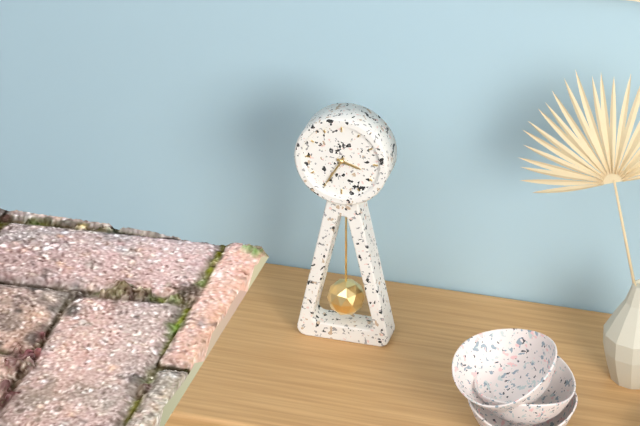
3:35
